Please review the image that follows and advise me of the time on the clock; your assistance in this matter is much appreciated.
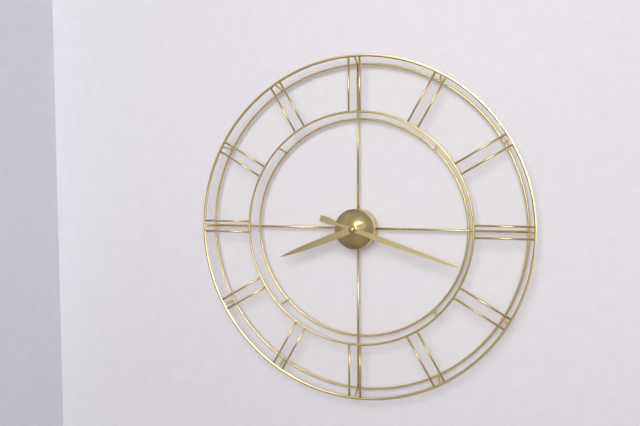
8:18
